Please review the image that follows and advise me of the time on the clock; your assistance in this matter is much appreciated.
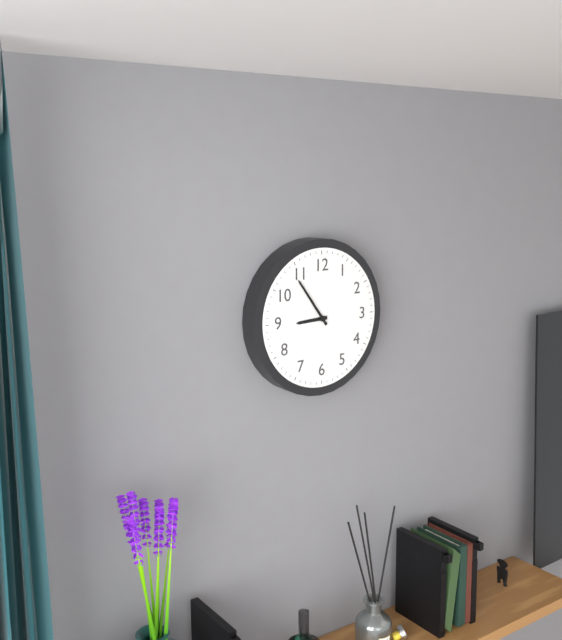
8:54
